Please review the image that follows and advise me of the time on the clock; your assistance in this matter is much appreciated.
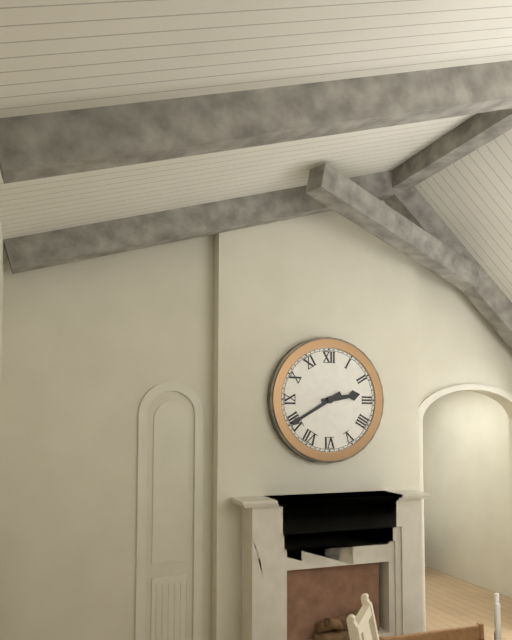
2:40
